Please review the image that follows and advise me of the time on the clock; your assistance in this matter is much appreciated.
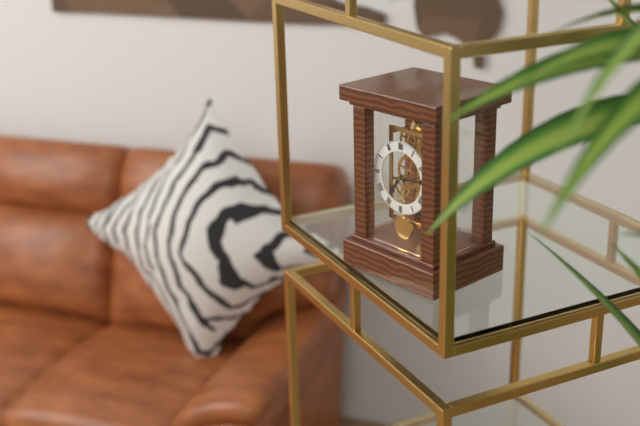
7:14
